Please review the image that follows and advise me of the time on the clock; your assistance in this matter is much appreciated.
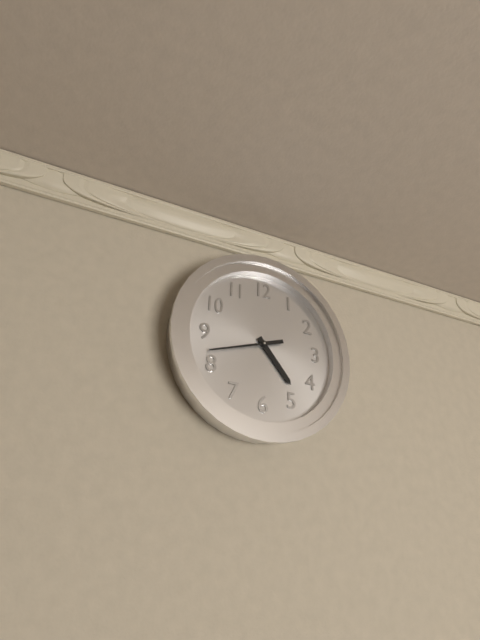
4:42
